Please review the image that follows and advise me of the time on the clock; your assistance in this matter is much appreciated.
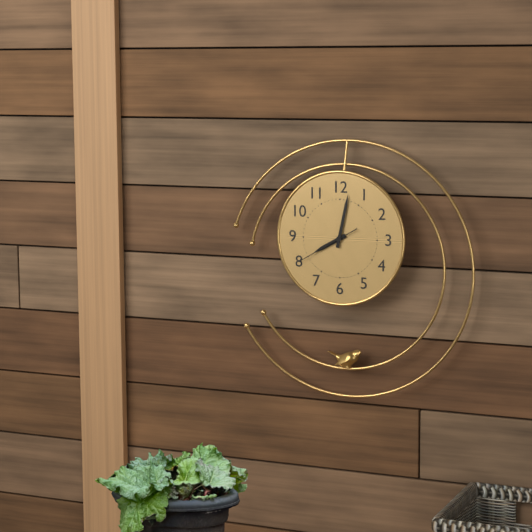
8:02:40
